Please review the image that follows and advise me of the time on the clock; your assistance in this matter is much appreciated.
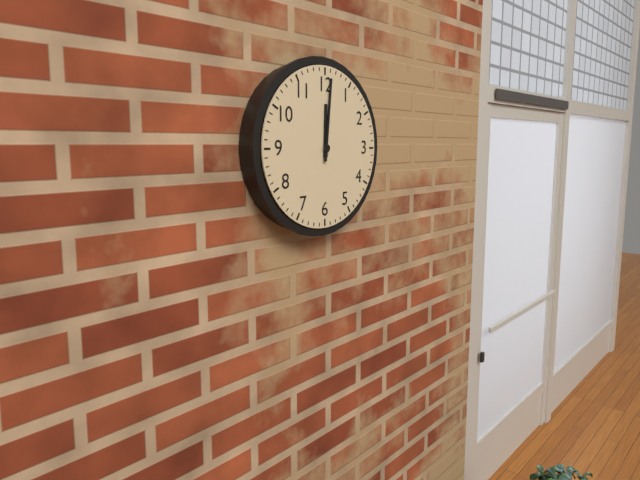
12:01
